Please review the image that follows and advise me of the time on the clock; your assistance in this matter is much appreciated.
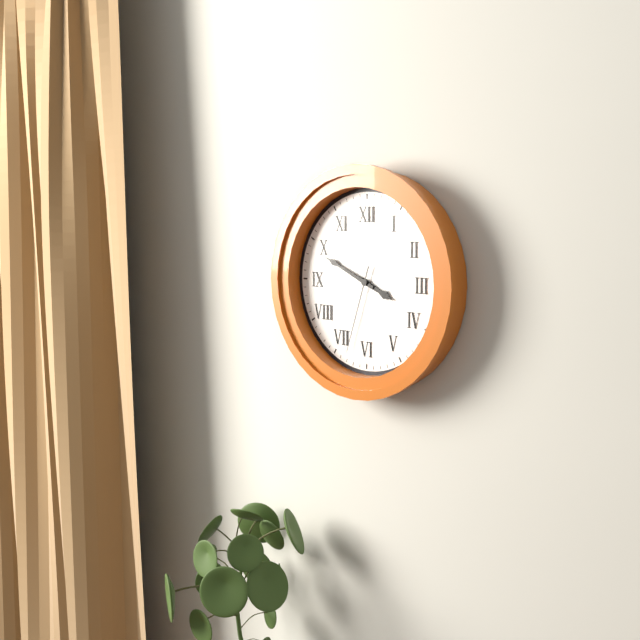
3:49:33
